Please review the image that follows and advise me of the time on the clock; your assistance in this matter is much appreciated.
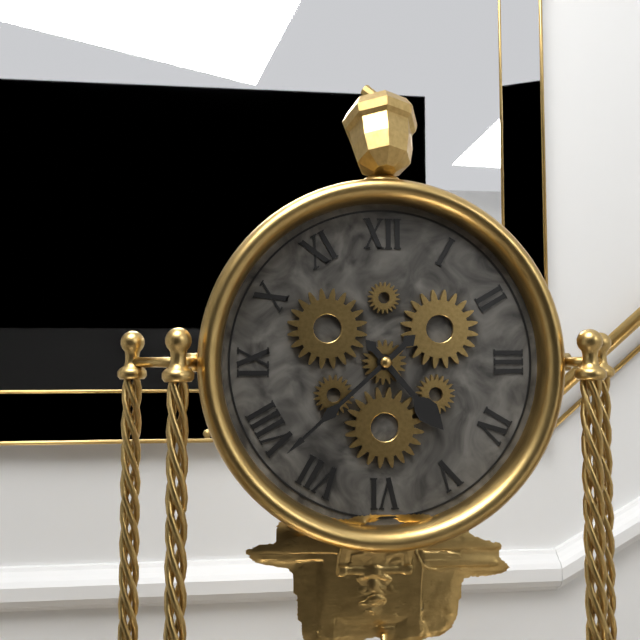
4:38
